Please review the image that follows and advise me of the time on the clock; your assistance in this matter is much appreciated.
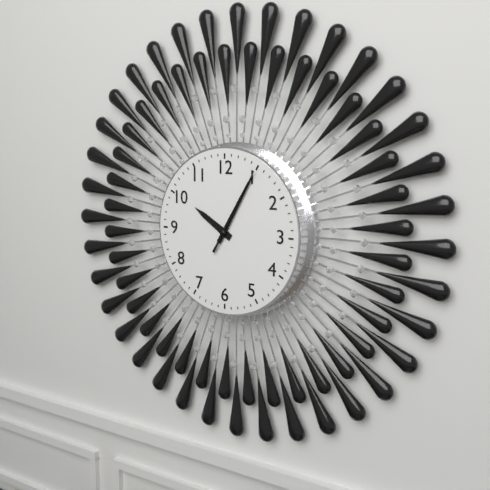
10:05:05
